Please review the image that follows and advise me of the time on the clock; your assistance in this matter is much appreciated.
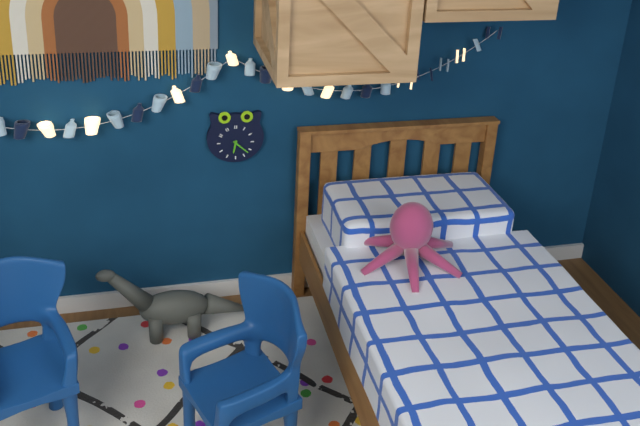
6:22
